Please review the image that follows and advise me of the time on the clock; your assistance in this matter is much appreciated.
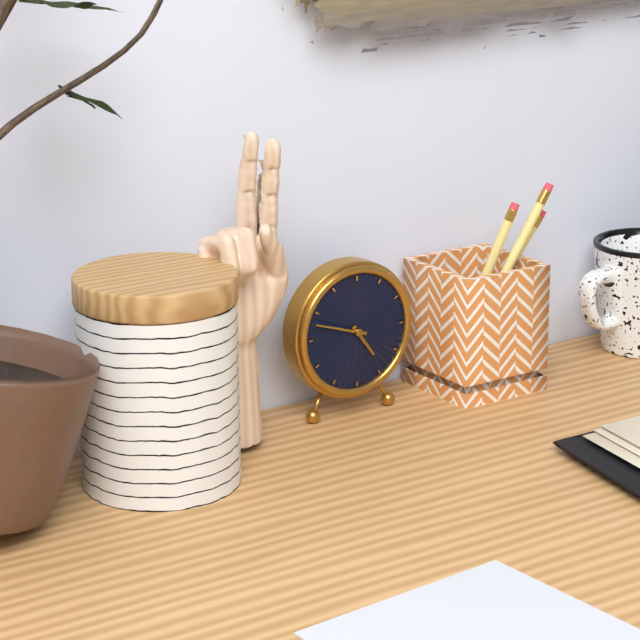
4:48
